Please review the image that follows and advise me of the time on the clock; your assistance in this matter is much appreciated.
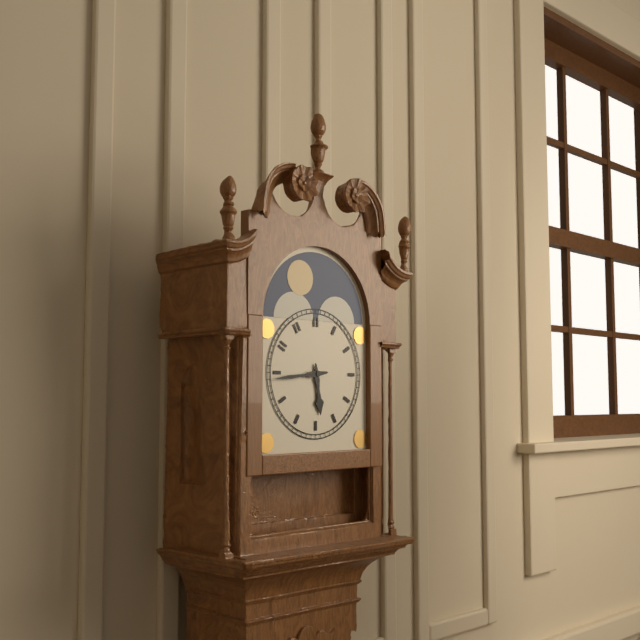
5:44
